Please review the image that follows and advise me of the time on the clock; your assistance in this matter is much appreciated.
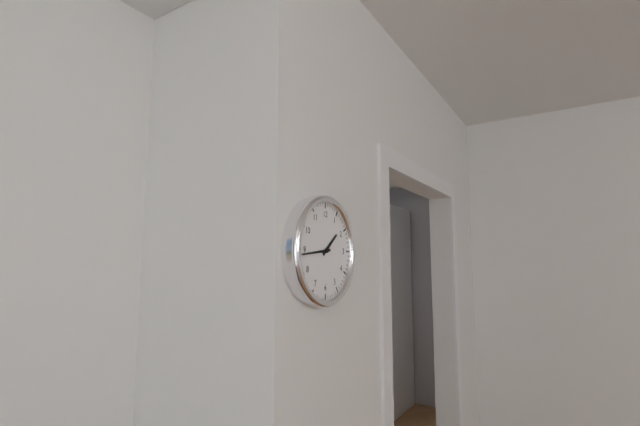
1:44
